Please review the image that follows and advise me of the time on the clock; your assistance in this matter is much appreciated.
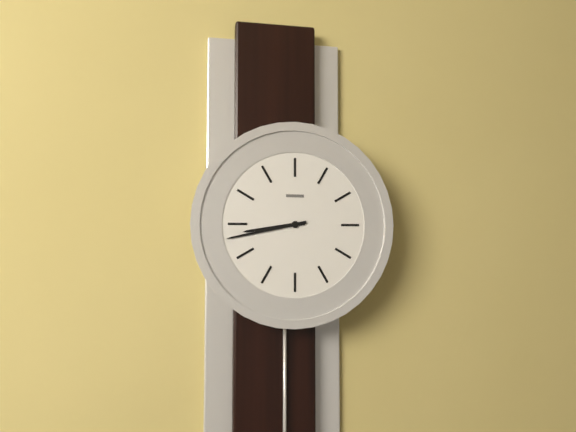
8:43
